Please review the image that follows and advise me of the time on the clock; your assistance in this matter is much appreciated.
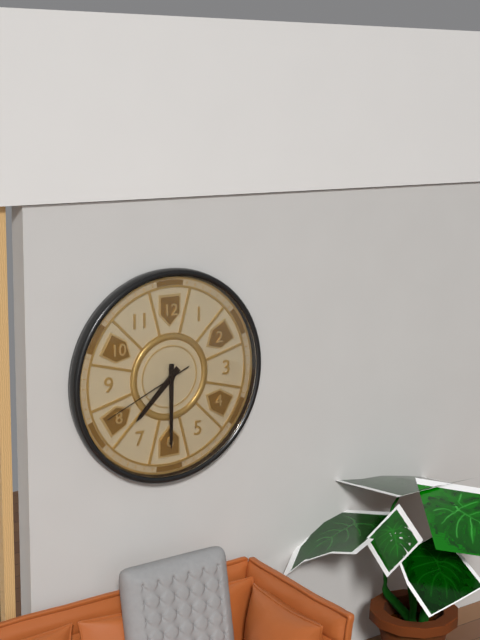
7:30:41
